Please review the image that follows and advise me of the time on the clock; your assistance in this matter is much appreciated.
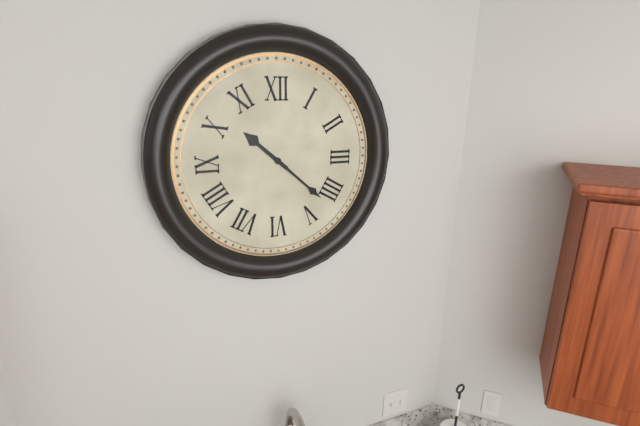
10:22
